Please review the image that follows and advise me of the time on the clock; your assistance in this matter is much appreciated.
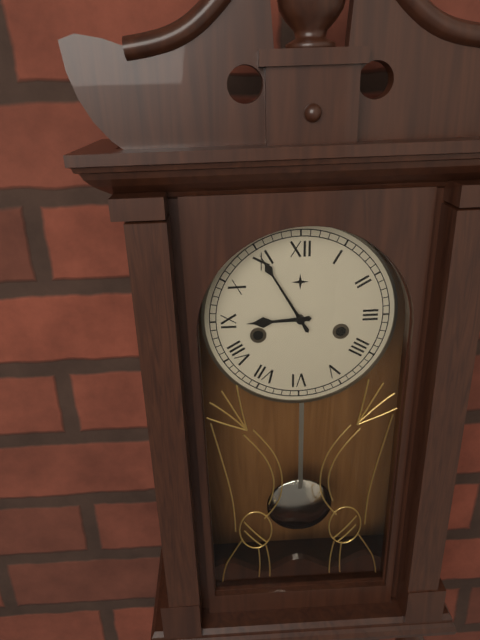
8:55
